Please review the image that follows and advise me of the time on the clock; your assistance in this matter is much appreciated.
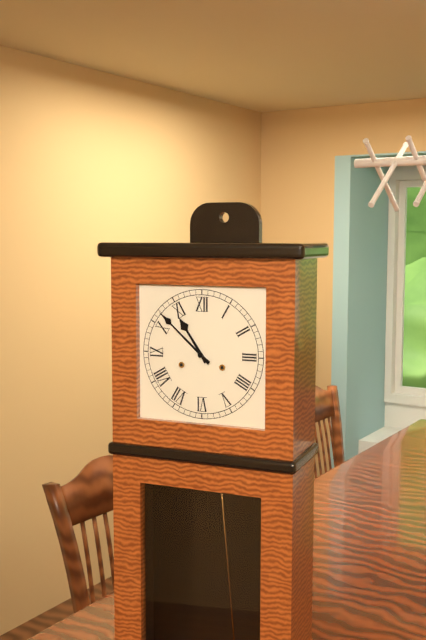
10:52
